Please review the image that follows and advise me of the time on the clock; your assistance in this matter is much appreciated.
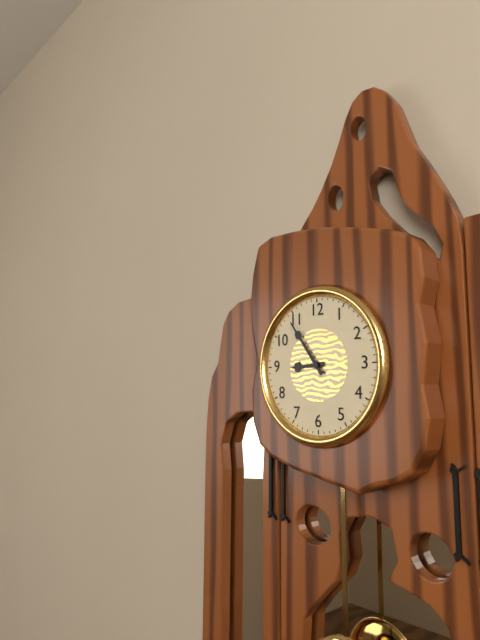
8:54
